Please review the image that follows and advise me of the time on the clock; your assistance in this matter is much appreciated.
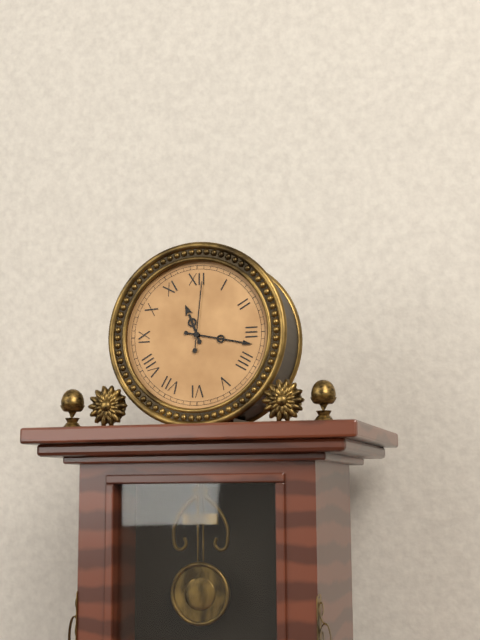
11:17:01
